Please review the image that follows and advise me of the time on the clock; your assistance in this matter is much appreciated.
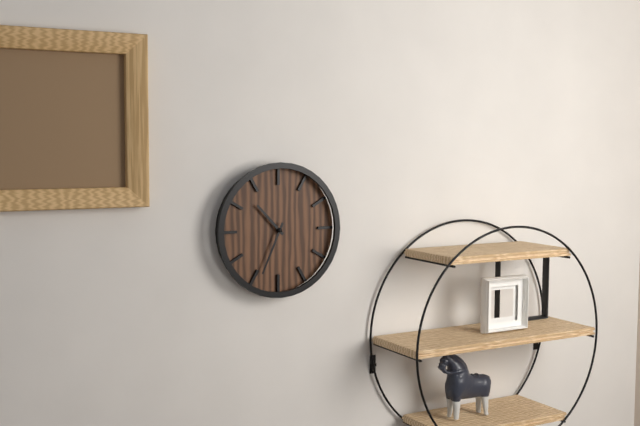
10:34
